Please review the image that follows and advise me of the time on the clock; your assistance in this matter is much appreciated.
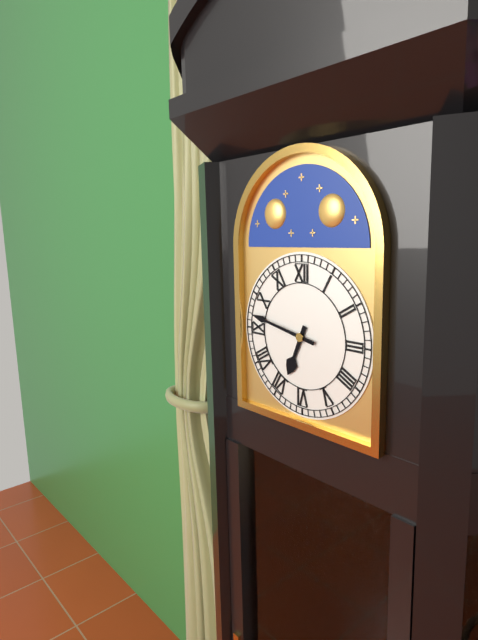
6:47
